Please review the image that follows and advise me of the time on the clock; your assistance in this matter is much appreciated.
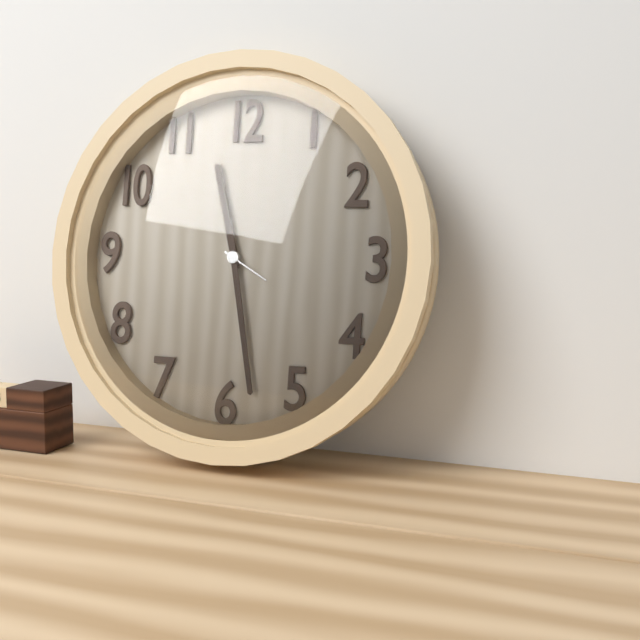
11:28:20
